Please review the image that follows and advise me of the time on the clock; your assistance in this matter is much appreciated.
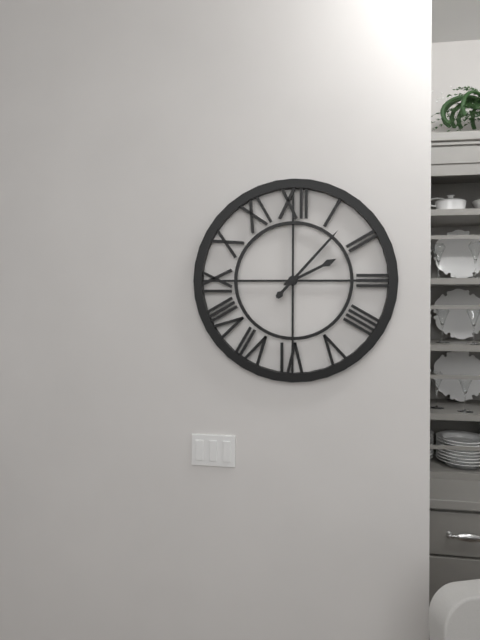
2:07
